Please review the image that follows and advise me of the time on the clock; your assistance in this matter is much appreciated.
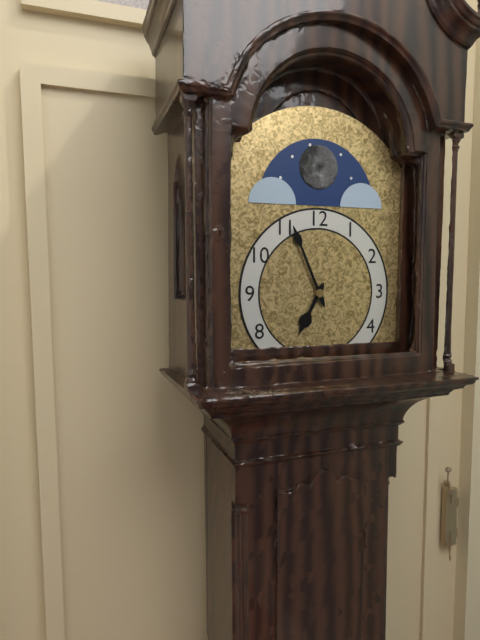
6:56
